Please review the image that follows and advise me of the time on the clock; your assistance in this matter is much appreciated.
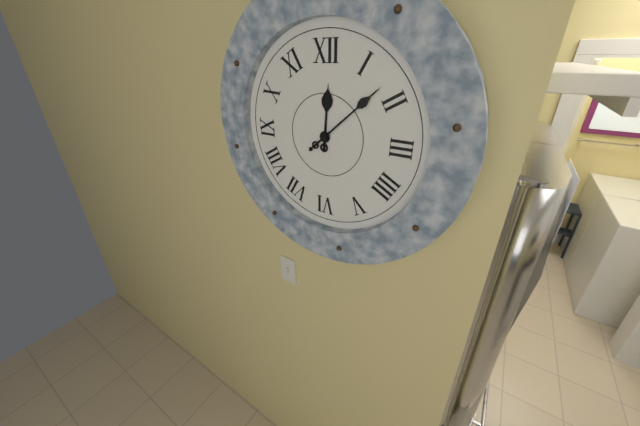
12:08
